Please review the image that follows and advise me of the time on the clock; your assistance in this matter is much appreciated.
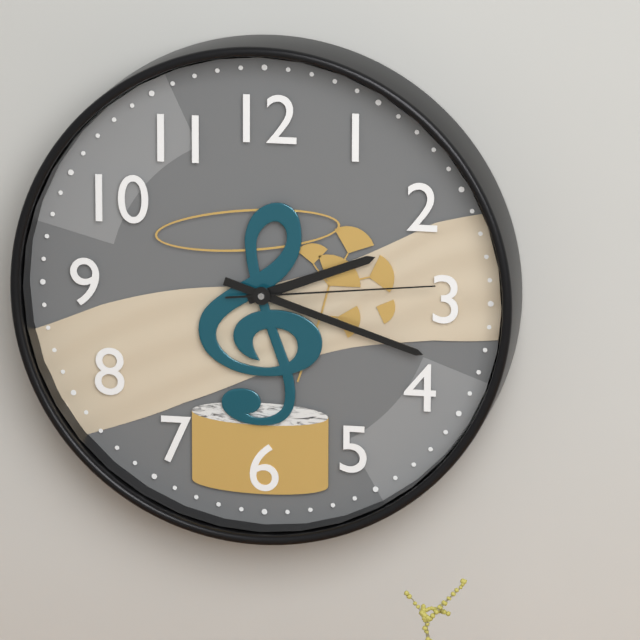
2:18:14
